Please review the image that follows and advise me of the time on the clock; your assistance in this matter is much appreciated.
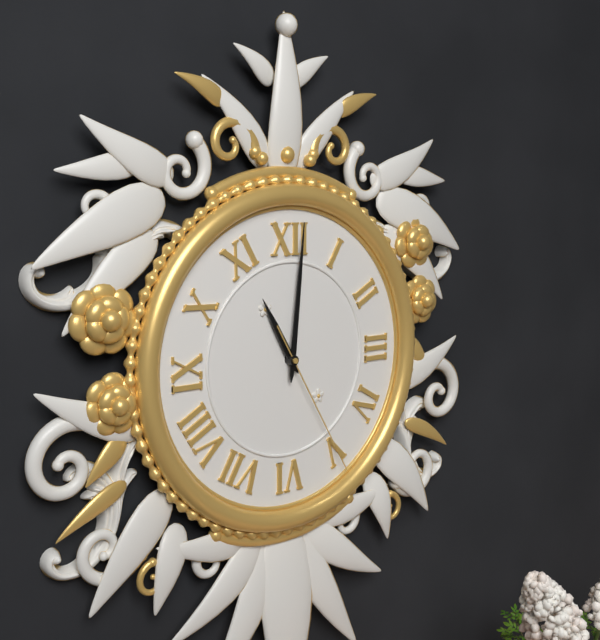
11:01:25
